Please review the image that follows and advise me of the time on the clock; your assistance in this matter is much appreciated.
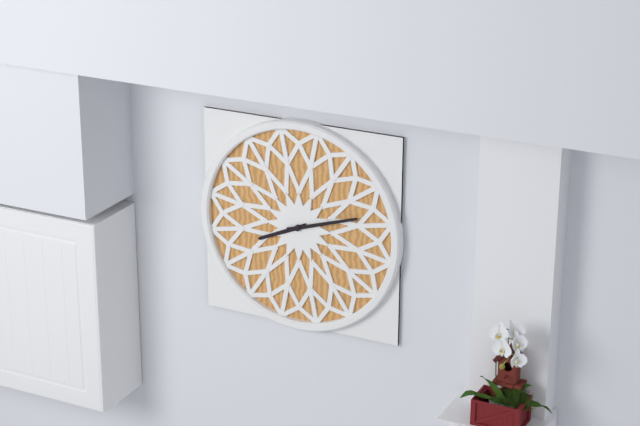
8:12
